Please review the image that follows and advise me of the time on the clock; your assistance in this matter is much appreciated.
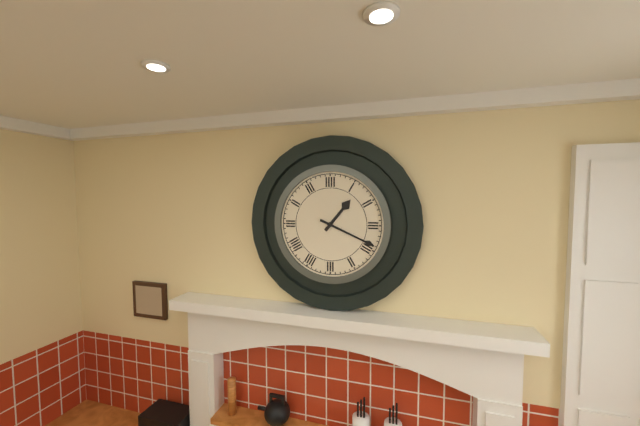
1:19
